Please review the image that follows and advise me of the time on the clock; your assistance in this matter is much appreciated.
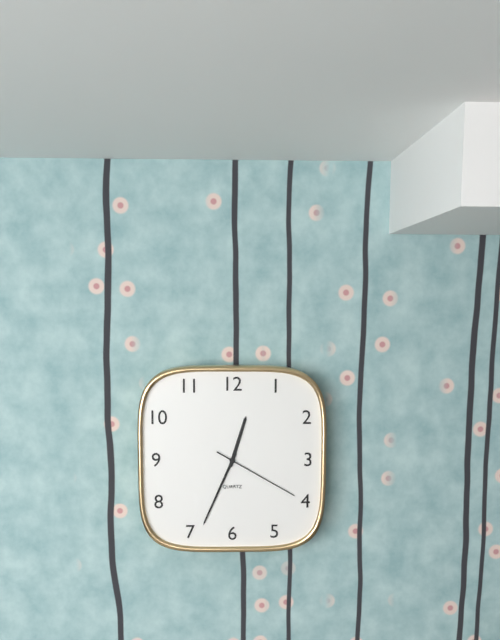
12:34:20
